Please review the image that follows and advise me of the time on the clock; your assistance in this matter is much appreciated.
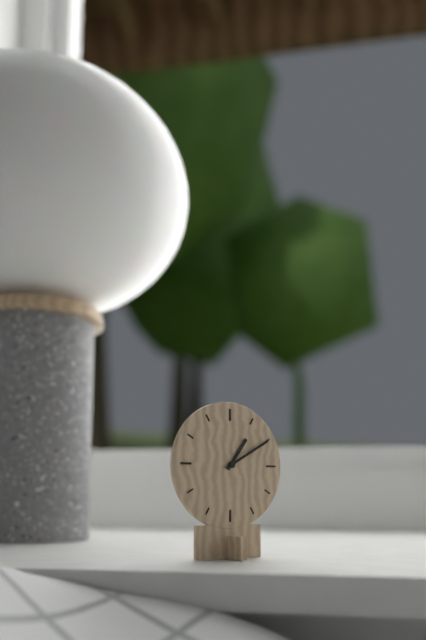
1:10
